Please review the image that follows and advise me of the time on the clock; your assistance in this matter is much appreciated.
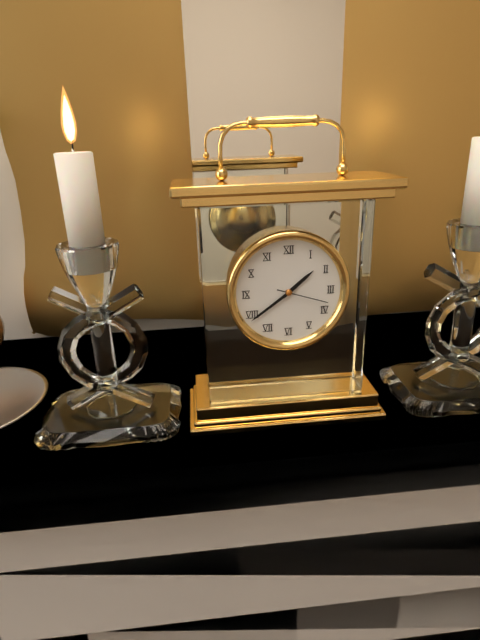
1:39:18
